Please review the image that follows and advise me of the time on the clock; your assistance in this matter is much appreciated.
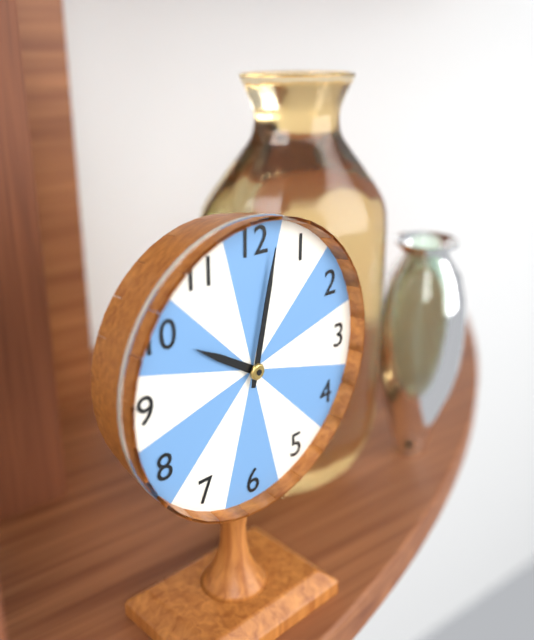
10:02
